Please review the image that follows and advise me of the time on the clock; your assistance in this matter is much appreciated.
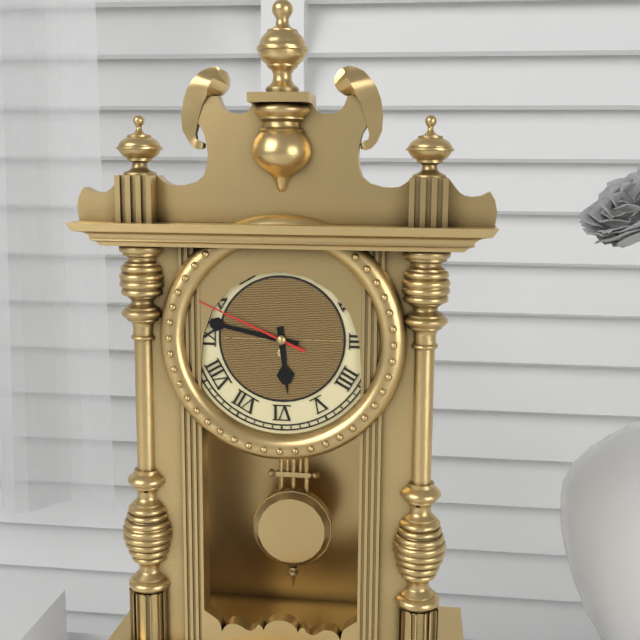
5:47:49
